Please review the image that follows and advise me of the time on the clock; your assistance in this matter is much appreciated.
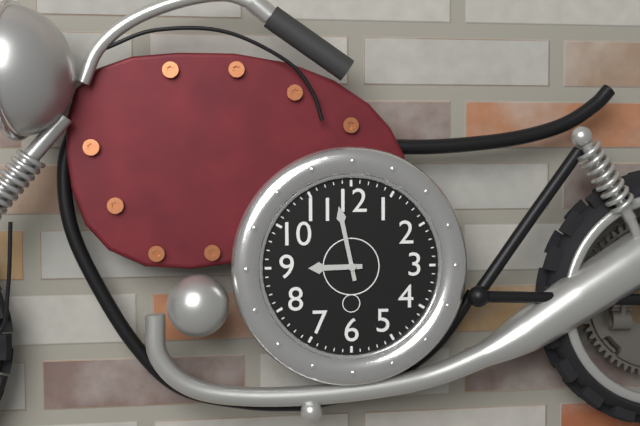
8:58
